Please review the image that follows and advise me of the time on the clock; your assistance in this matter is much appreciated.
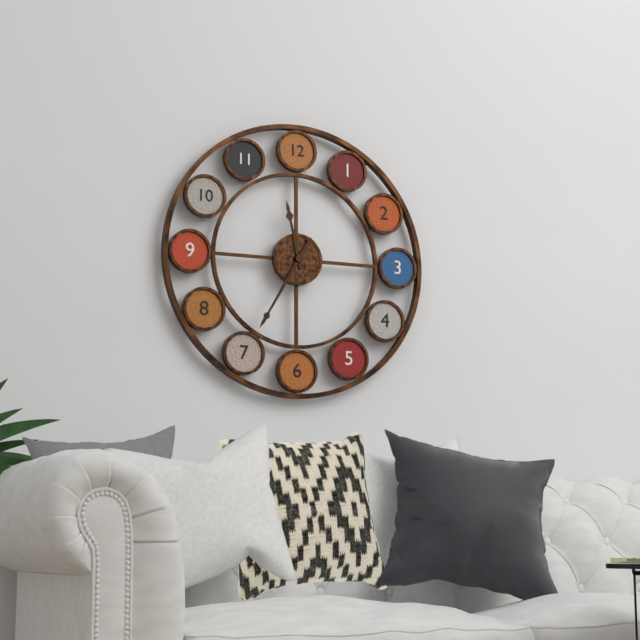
11:35
